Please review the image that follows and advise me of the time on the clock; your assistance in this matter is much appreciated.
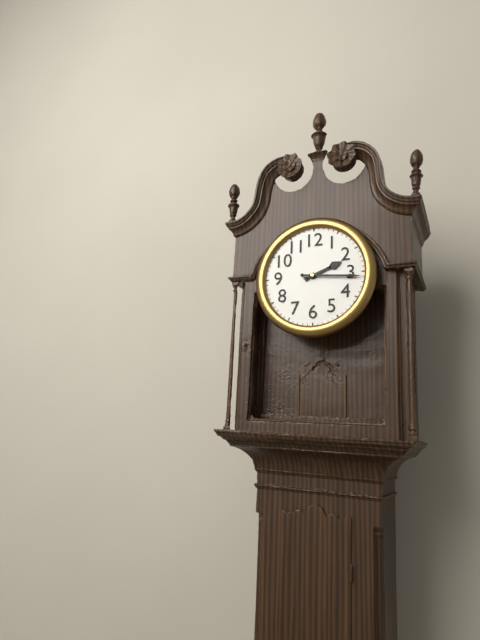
2:16
